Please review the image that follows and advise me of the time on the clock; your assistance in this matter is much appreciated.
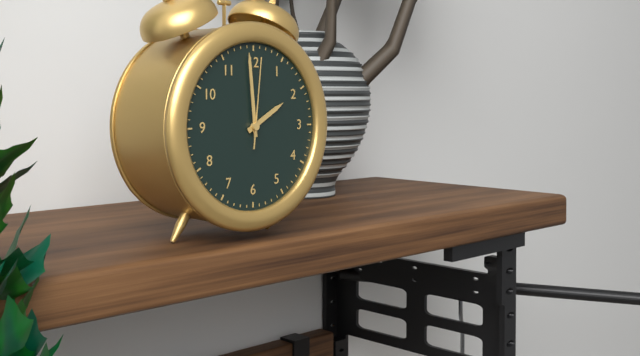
1:59:01
